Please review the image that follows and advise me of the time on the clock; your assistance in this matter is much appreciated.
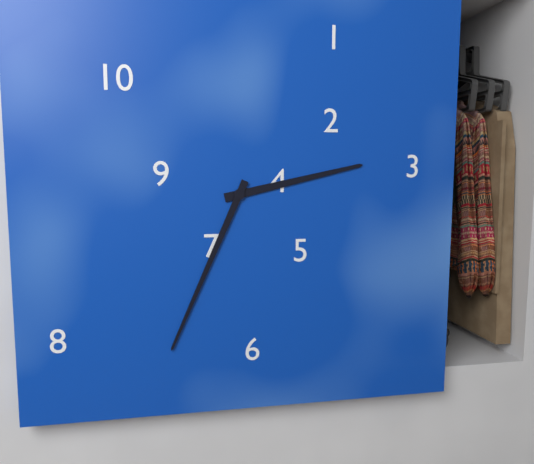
2:34
